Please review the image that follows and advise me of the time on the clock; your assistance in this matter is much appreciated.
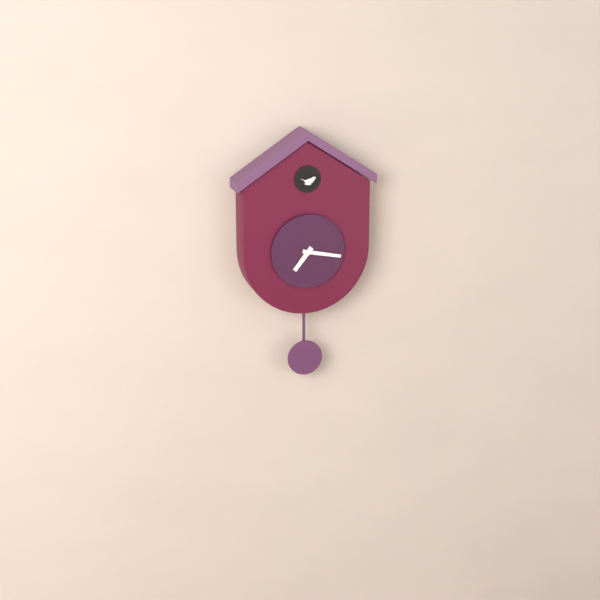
7:17
